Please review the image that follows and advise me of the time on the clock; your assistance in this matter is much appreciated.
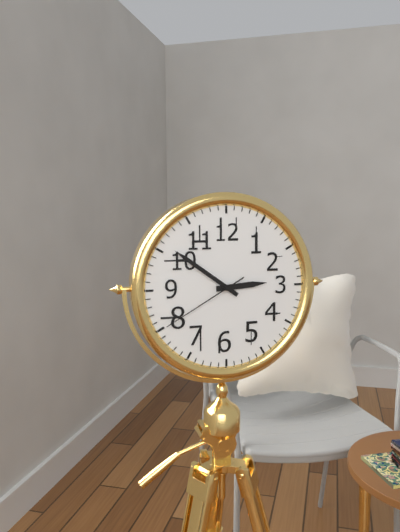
2:51:40
